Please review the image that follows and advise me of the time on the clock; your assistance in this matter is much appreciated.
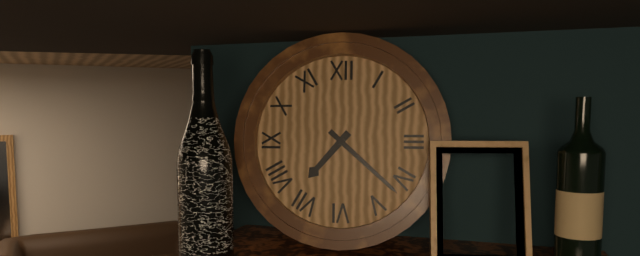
7:22
